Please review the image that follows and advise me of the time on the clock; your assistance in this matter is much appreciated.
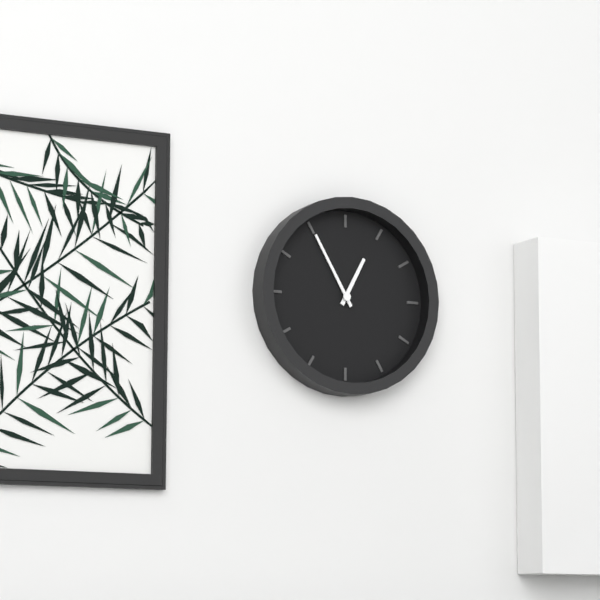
12:55
